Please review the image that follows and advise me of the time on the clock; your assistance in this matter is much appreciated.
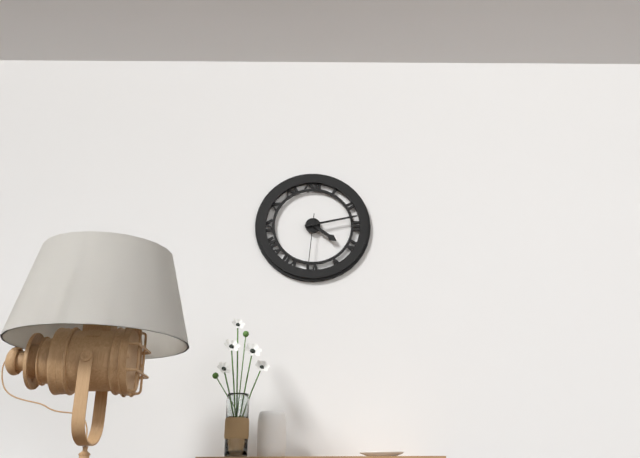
4:13
